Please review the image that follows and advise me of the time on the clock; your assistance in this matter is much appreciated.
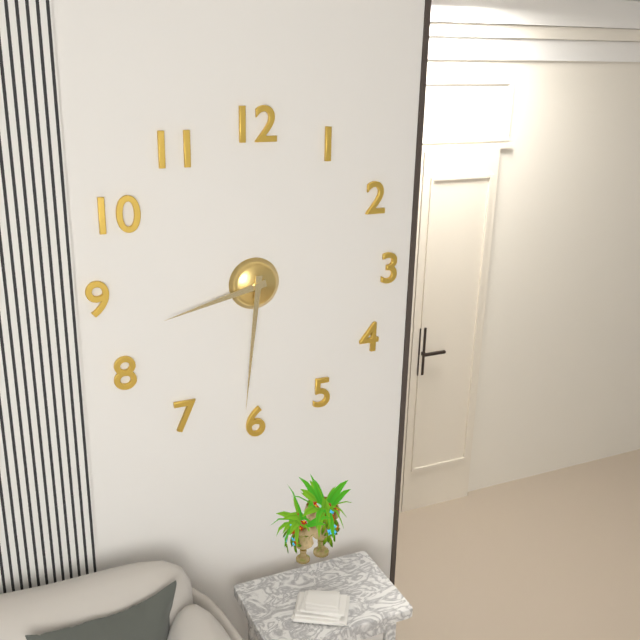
8:31
